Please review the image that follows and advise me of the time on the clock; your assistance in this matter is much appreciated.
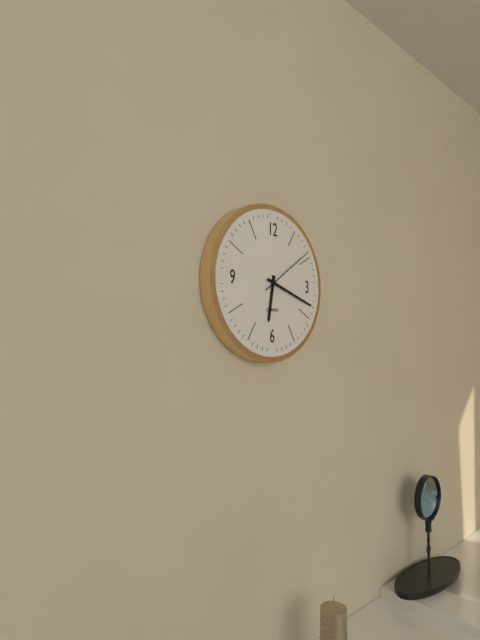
6:18:09
